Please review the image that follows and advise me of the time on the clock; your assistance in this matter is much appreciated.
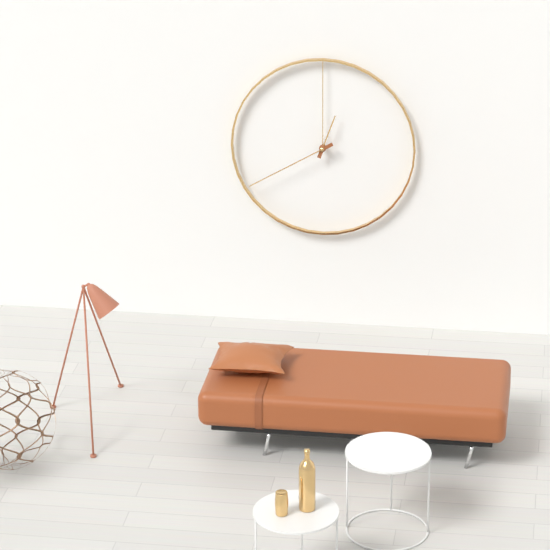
12:40
